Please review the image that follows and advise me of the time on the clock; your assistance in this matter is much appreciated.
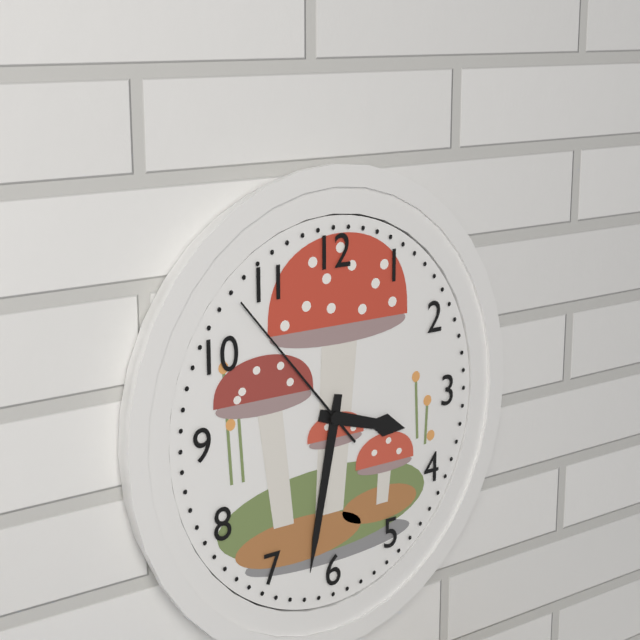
3:32:53
